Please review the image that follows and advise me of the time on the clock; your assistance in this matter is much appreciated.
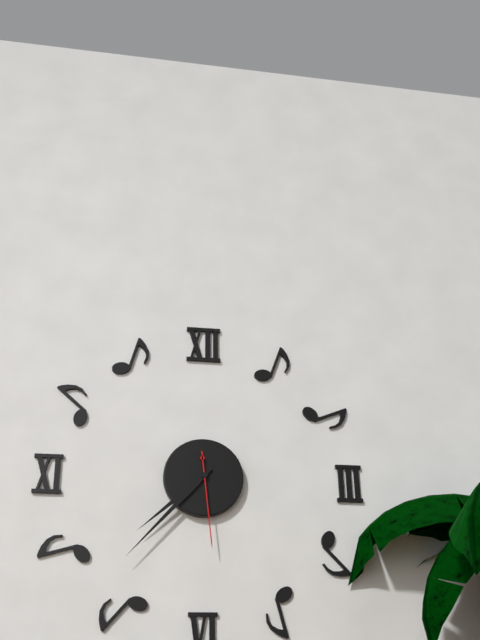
7:37:29
